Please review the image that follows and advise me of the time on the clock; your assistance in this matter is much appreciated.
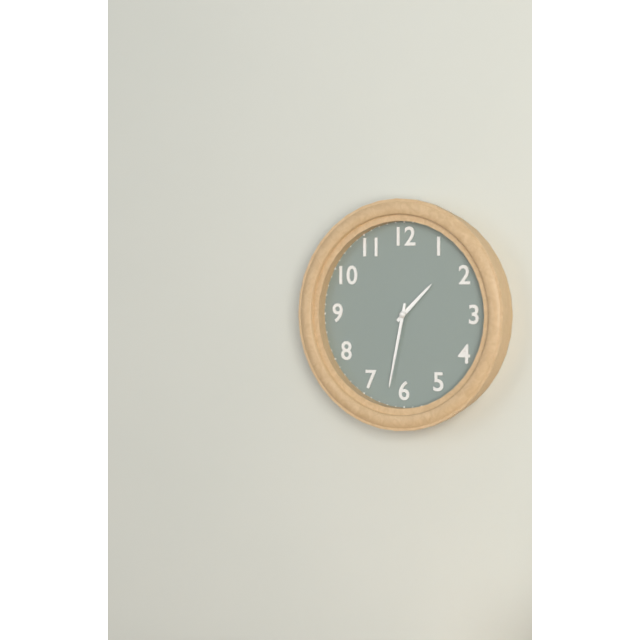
1:32
